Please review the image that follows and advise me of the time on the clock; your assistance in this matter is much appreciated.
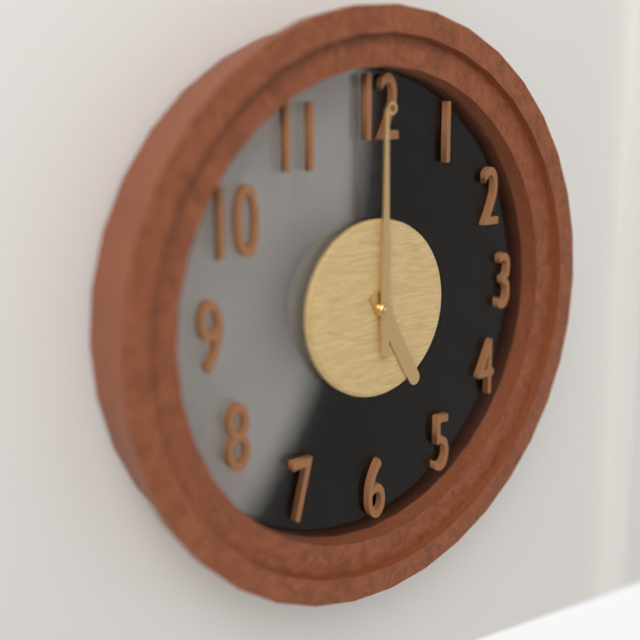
5:00
